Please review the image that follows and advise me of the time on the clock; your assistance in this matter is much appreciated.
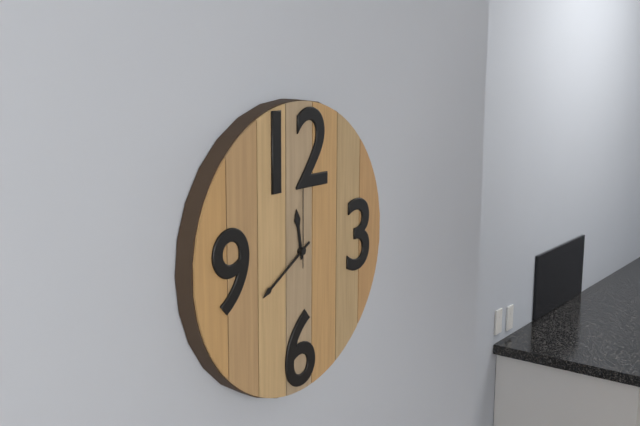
11:40:00
